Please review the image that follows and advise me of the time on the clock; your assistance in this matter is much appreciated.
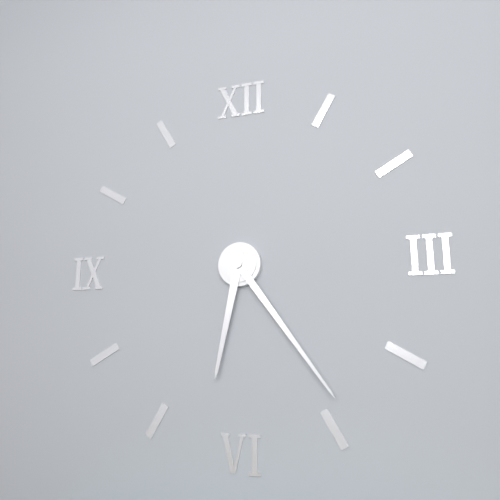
6:24
